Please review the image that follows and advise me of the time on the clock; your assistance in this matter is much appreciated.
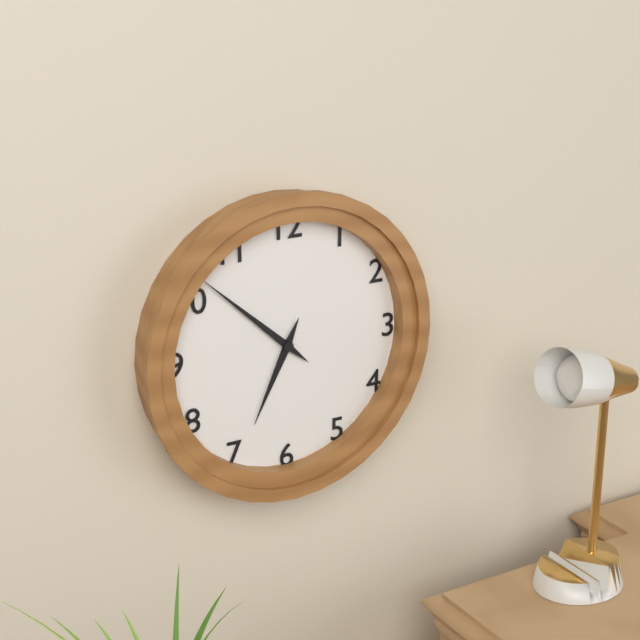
6:52
